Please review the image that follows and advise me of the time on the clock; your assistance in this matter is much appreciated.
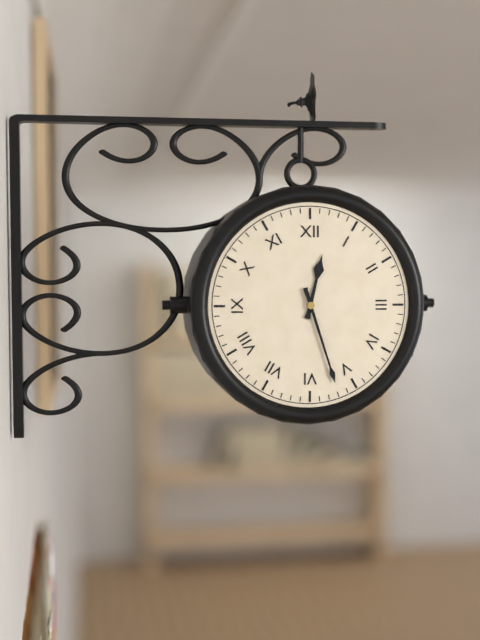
12:27
